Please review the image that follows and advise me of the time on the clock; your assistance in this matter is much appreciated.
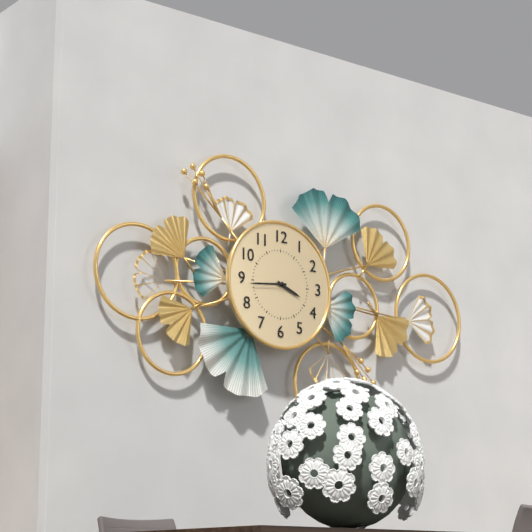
3:44
